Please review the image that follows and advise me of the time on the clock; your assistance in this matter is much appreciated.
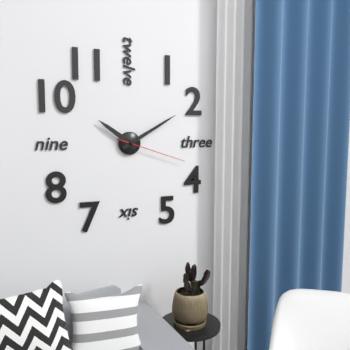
10:10:18
